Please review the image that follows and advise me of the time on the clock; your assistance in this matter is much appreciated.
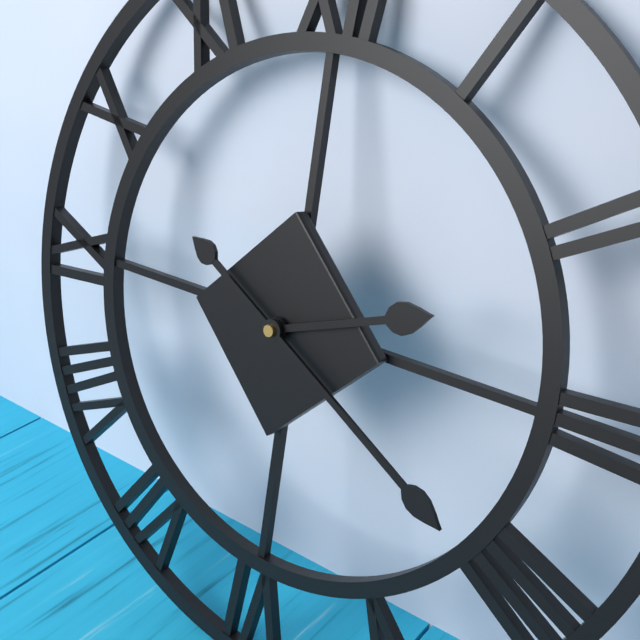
2:20
